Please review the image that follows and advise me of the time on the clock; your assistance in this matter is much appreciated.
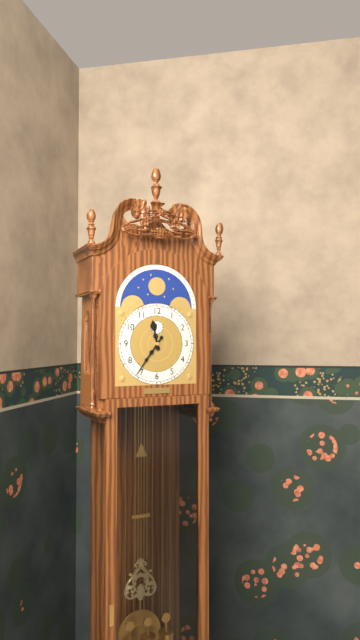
11:36
